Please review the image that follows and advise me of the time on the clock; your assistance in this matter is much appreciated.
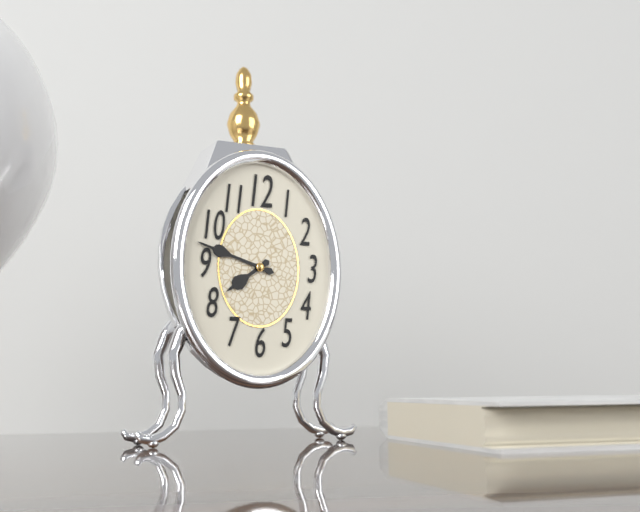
7:48
